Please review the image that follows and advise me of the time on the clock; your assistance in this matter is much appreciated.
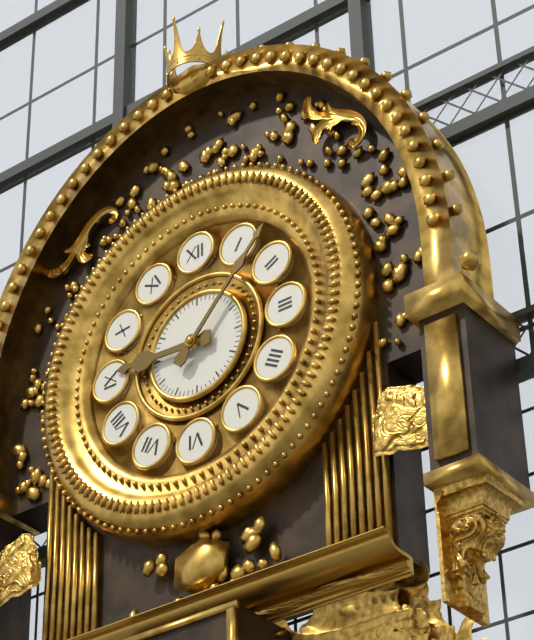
9:07
